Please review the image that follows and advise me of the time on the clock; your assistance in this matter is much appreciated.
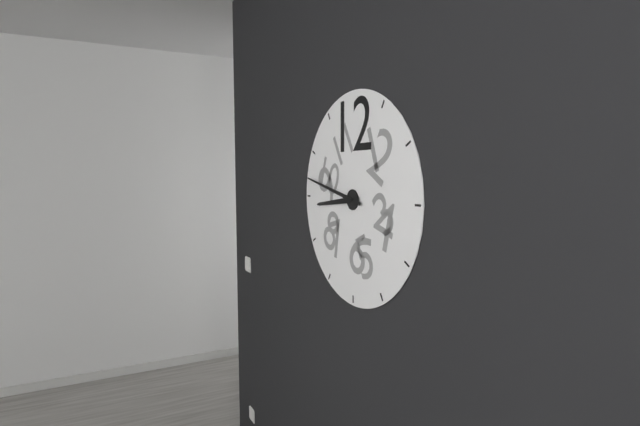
8:47
